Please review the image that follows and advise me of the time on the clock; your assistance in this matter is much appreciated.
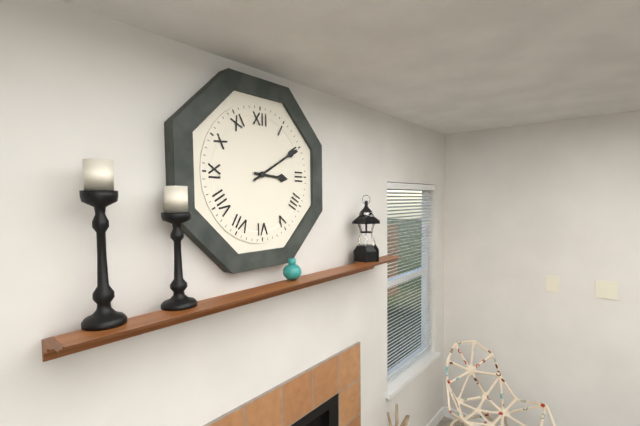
3:10
